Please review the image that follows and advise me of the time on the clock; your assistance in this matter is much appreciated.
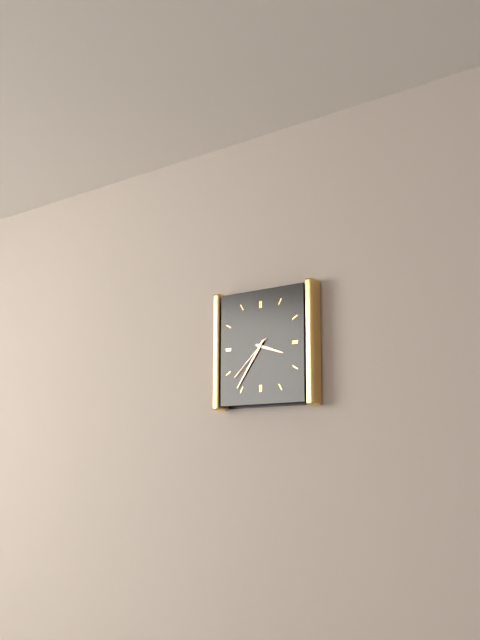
3:36:38
